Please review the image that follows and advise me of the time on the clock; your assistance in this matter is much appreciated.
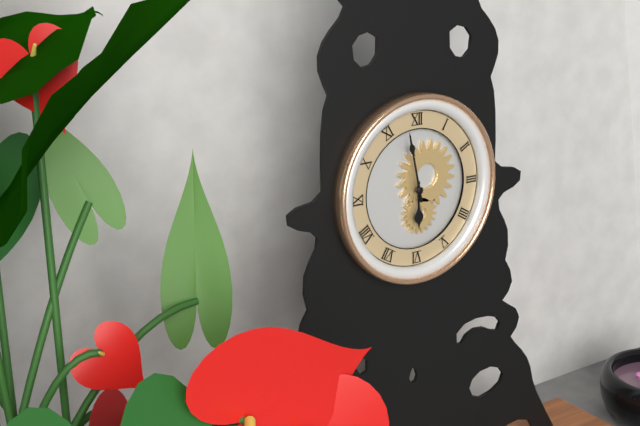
5:58
